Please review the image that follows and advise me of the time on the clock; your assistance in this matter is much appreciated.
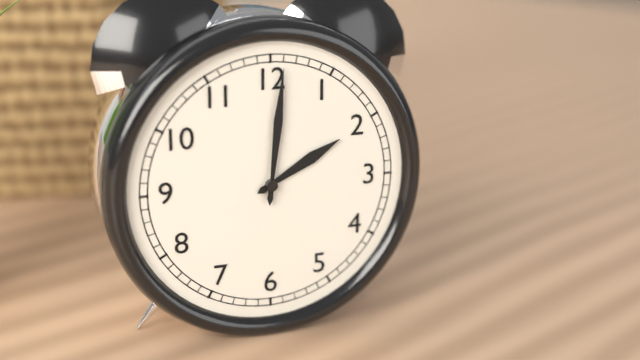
2:01
